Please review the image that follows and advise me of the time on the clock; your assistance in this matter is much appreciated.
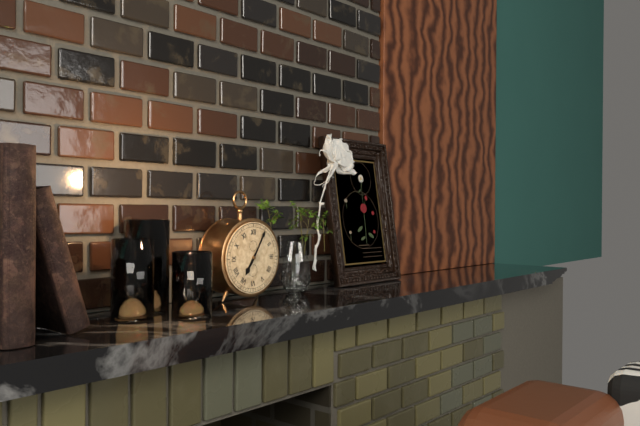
7:05
